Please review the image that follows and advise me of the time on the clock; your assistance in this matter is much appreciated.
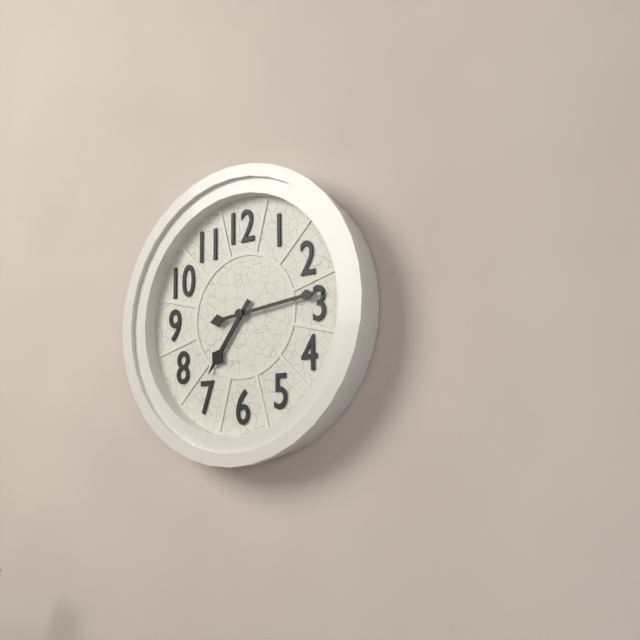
7:14
